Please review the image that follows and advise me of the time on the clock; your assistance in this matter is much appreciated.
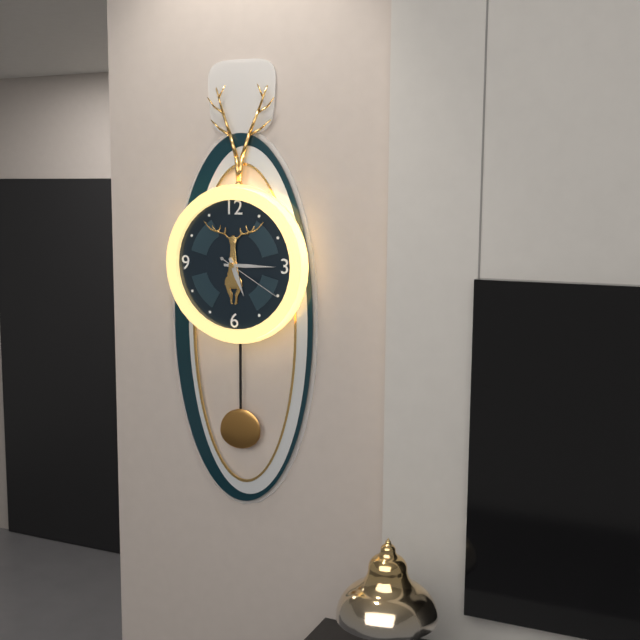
5:15:20
